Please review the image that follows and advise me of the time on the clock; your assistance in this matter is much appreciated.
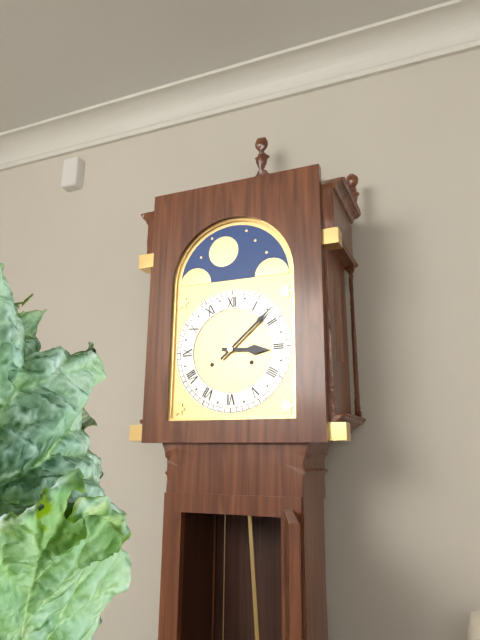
3:08
